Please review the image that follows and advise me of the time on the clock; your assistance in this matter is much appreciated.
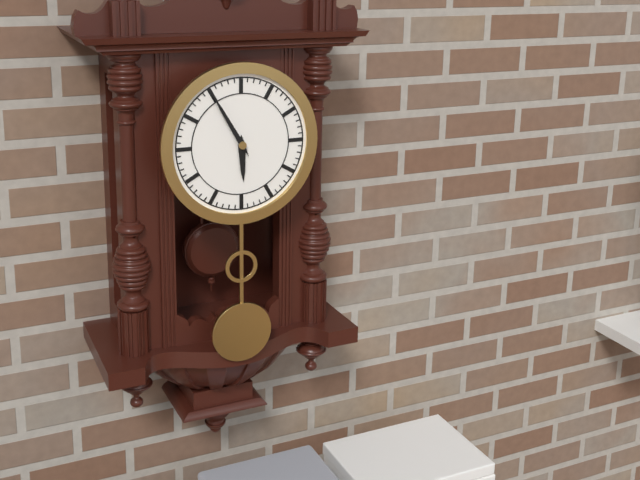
5:55
